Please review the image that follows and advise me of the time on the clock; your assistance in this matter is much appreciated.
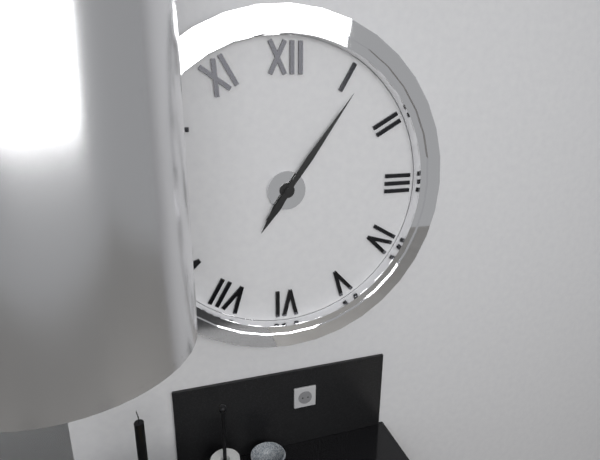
7:06
